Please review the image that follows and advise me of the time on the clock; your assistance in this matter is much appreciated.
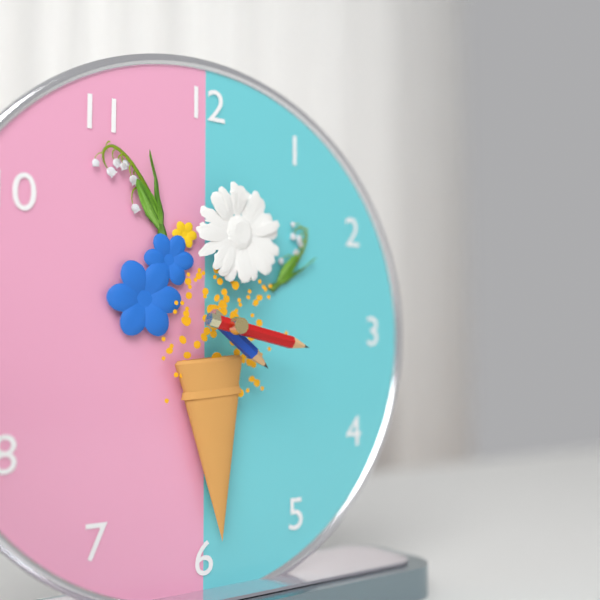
4:17
